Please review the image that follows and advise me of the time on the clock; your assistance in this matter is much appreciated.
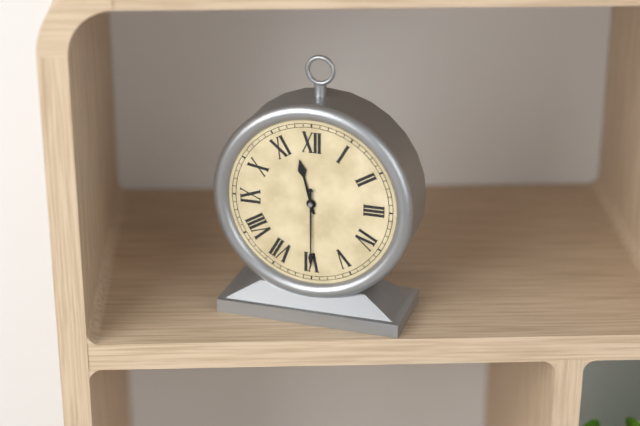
11:30
